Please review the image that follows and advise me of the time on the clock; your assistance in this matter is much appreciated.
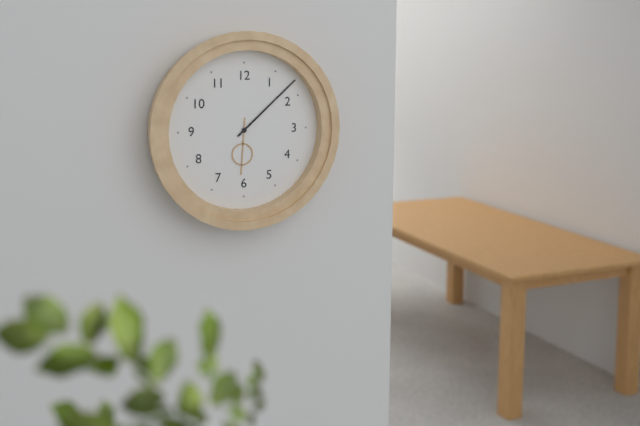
6:08
